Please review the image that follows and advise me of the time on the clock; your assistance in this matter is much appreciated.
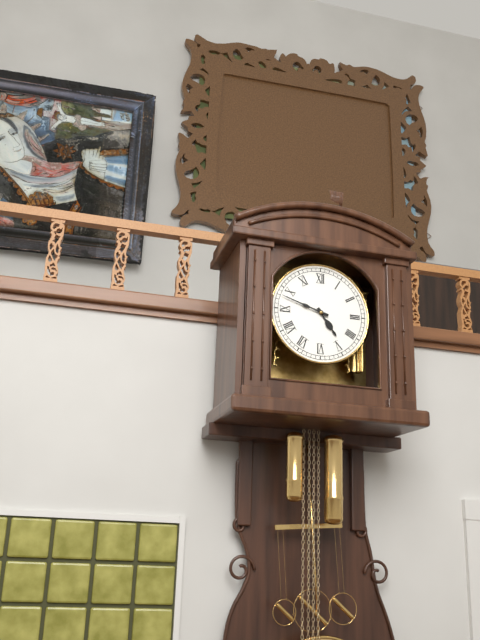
4:48
